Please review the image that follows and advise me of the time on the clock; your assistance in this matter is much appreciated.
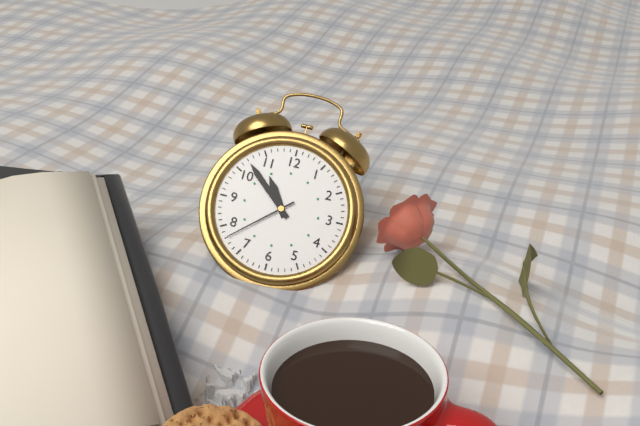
10:52:38
